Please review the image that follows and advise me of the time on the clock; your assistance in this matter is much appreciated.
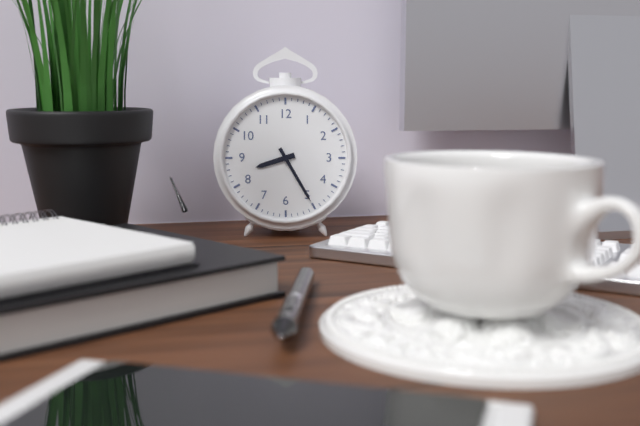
8:25
